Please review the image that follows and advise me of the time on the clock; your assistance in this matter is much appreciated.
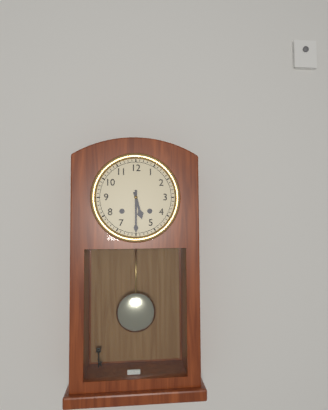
5:30
